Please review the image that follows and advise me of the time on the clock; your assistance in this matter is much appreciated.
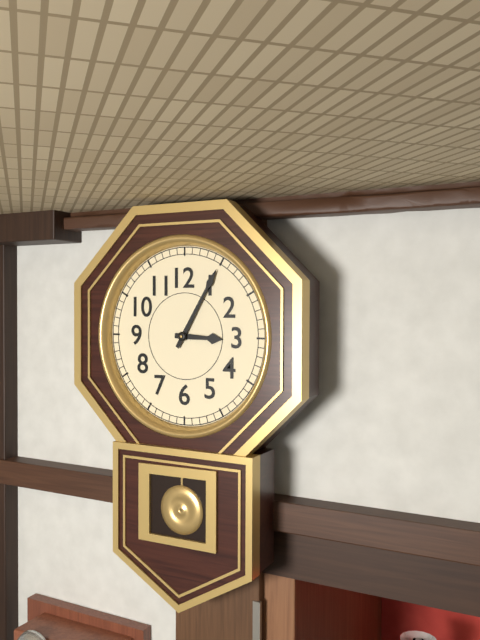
3:05
